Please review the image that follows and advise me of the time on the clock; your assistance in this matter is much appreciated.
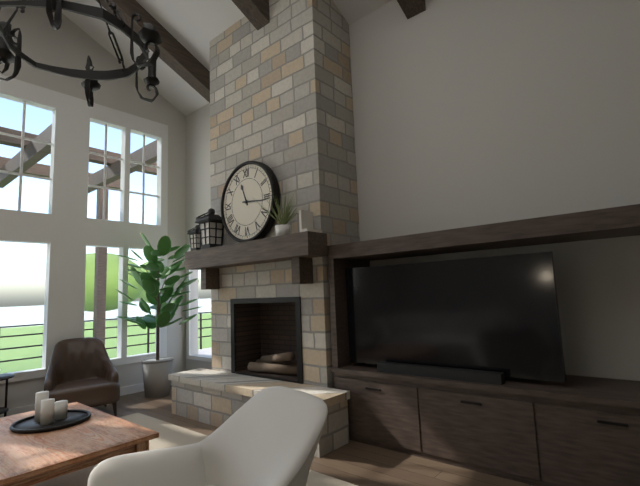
11:16
